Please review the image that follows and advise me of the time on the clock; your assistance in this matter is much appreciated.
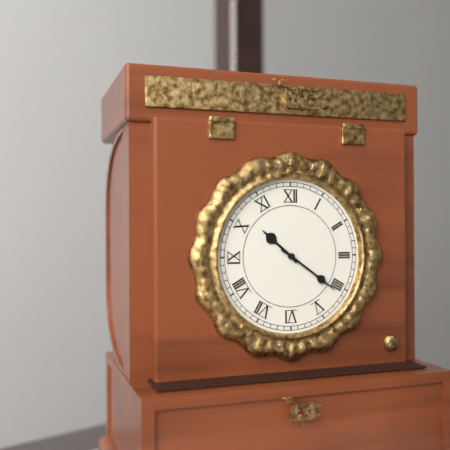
10:21
